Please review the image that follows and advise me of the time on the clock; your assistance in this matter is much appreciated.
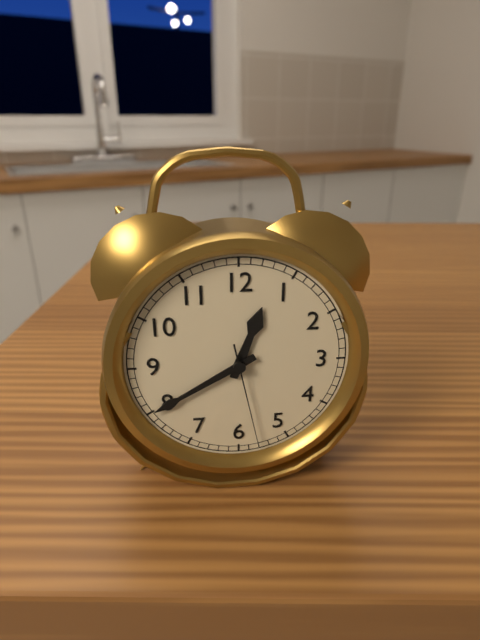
12:40:28
